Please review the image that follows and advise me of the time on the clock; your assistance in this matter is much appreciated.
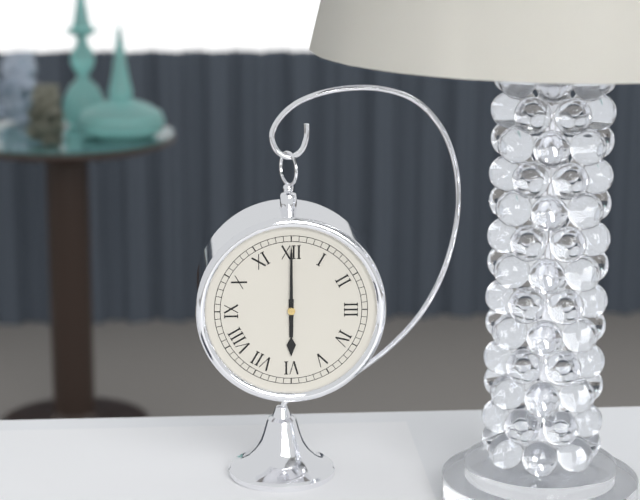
6:00
